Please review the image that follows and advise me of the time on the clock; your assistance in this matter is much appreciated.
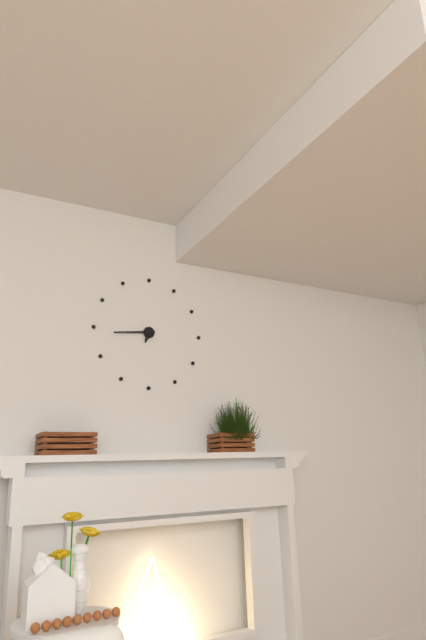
6:44
